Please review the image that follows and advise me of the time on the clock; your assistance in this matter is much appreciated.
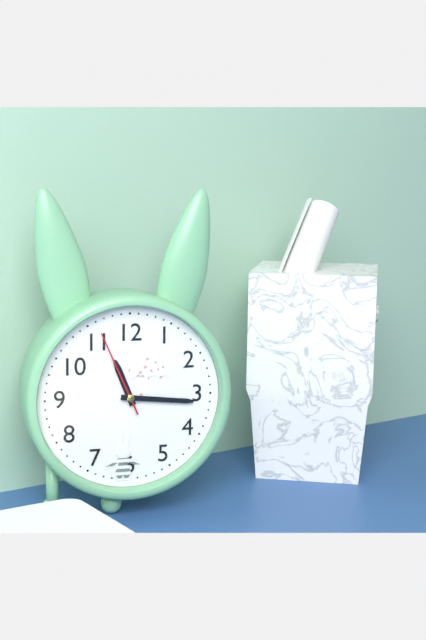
11:16:56
